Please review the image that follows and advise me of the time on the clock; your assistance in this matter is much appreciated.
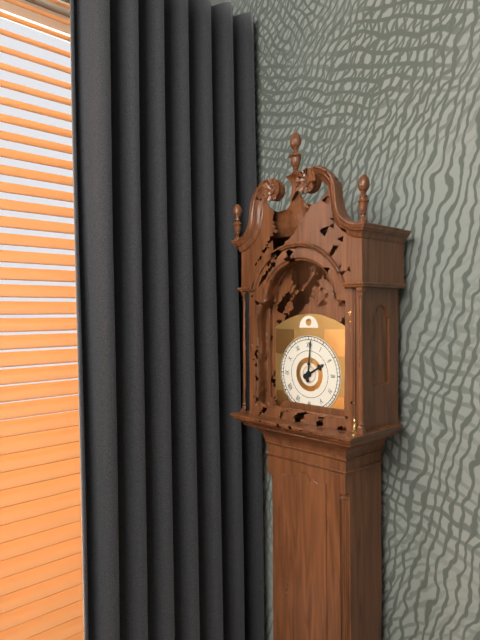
2:01
